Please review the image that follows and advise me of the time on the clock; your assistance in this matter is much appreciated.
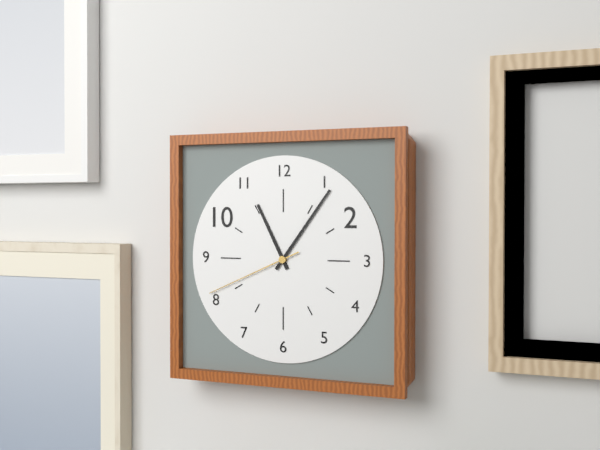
11:06:41
